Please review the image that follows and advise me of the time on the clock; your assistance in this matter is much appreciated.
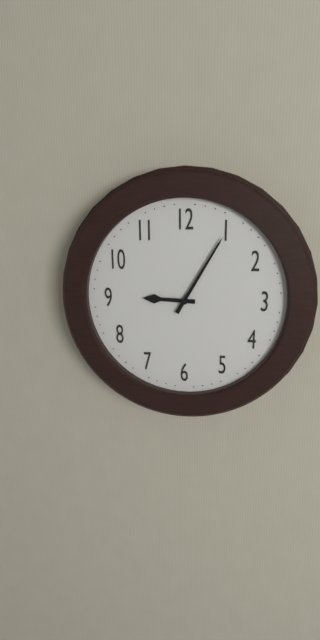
9:05
